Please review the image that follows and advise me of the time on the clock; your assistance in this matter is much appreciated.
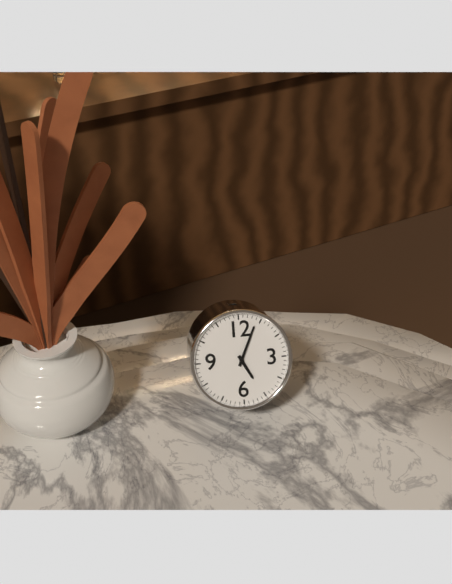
5:04
